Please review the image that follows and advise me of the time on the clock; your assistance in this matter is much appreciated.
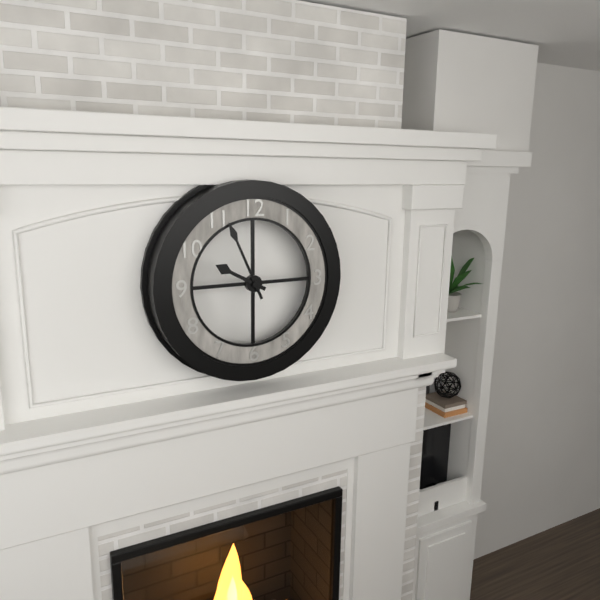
9:56
